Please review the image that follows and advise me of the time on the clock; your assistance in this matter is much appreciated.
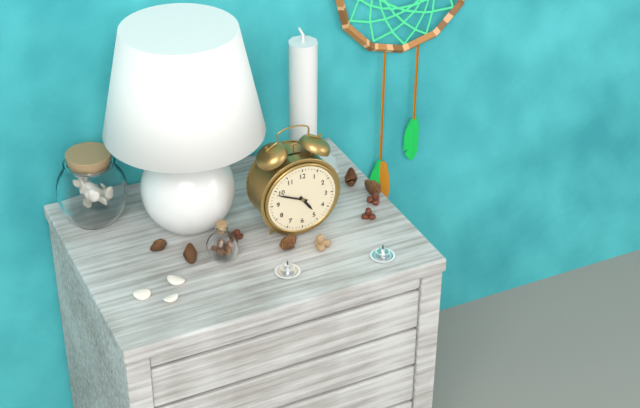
4:49
